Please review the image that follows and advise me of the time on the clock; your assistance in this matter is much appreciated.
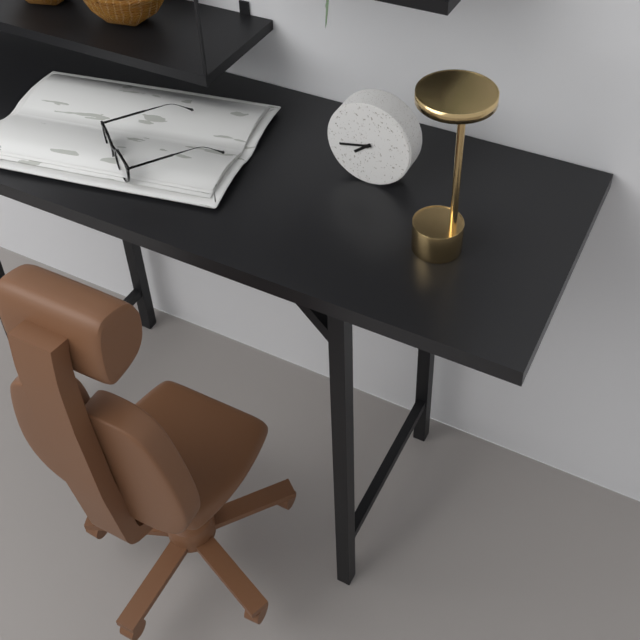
7:43
